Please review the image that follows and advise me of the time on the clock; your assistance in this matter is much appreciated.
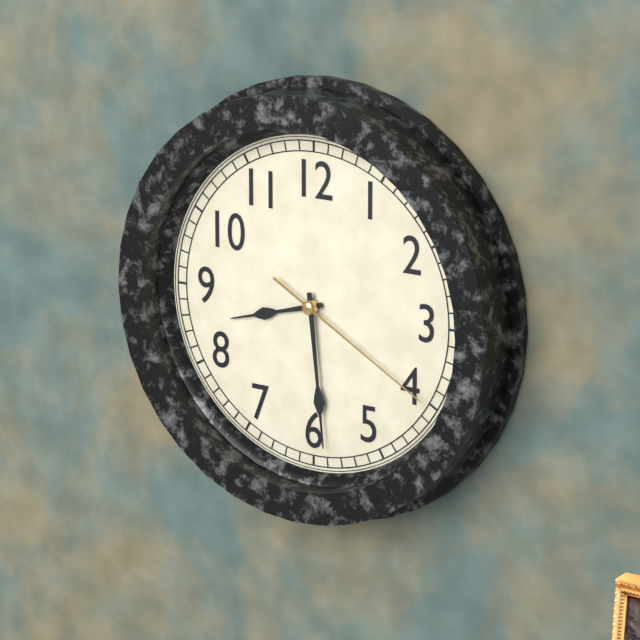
8:29:20
